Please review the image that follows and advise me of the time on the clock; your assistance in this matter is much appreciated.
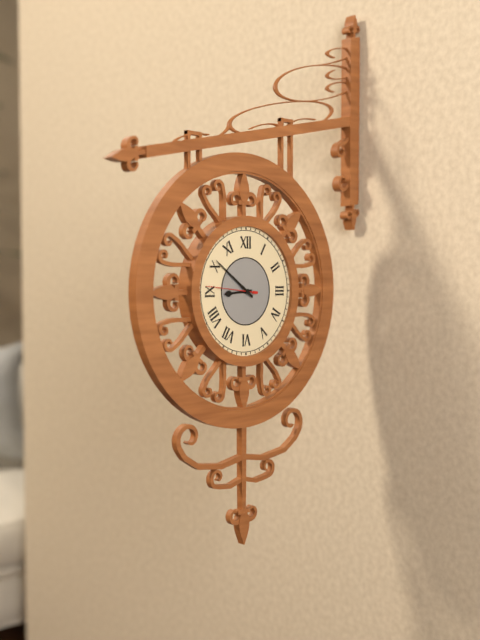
8:51
